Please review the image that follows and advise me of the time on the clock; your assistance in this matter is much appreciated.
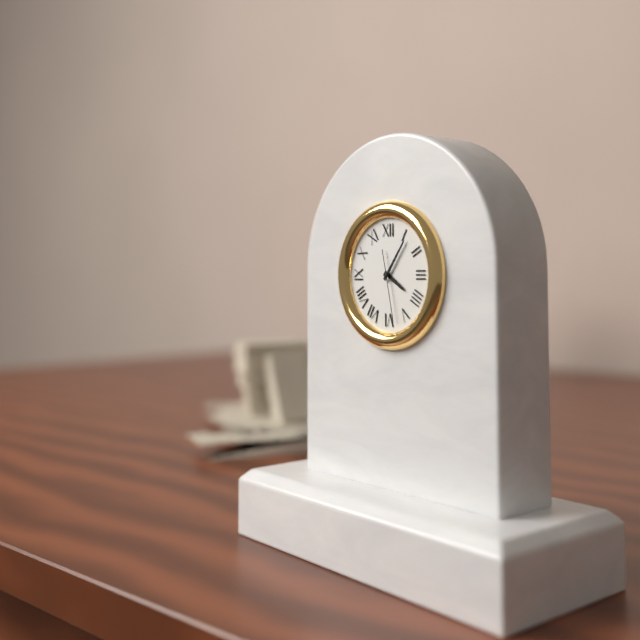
4:06:28
